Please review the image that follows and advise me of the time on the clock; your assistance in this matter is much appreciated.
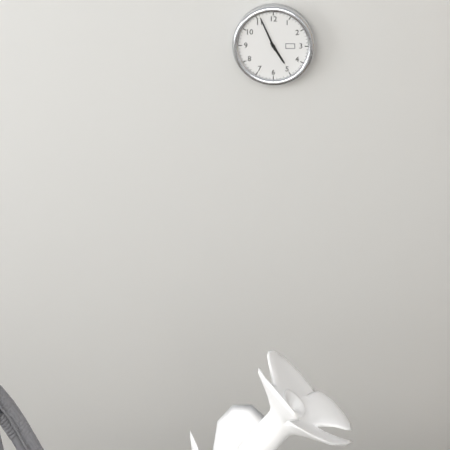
4:56
